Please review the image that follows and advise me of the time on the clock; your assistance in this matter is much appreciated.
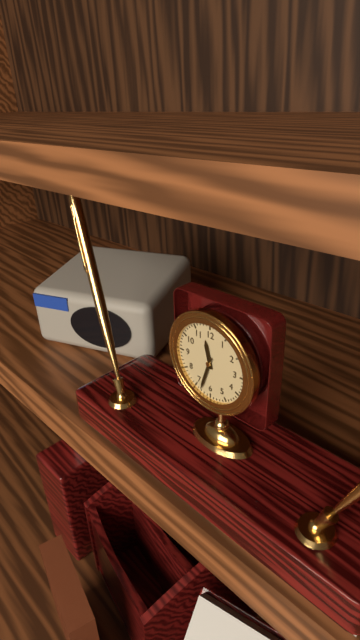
11:33
